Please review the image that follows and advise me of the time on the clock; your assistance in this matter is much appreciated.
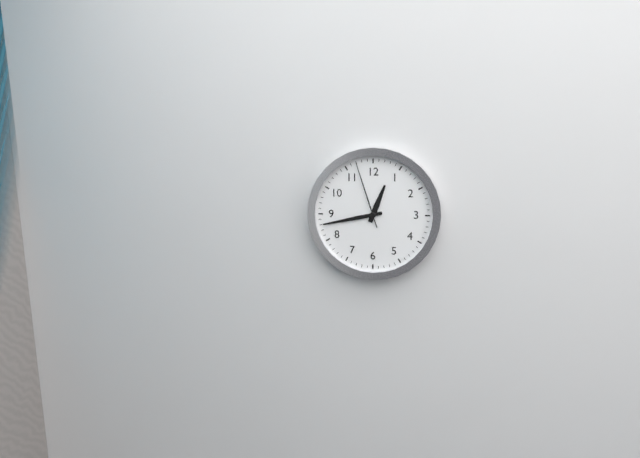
12:43:57
